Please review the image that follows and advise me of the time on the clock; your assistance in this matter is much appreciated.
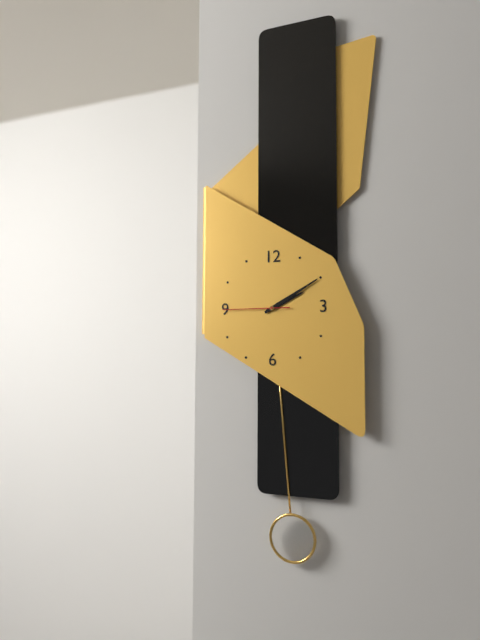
2:10:45
